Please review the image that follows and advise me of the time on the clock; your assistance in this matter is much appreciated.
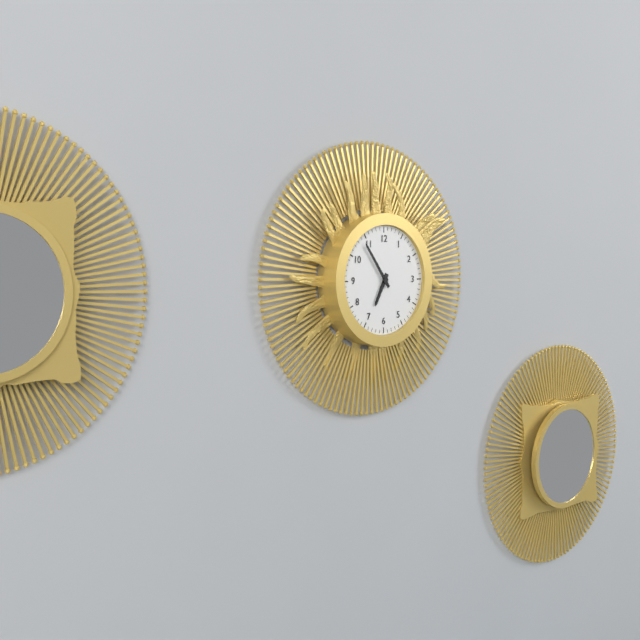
6:54
